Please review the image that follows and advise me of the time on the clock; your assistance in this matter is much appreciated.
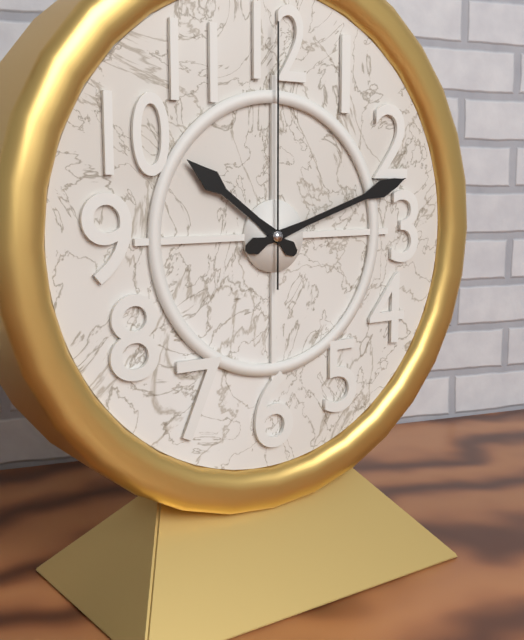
10:12:00
